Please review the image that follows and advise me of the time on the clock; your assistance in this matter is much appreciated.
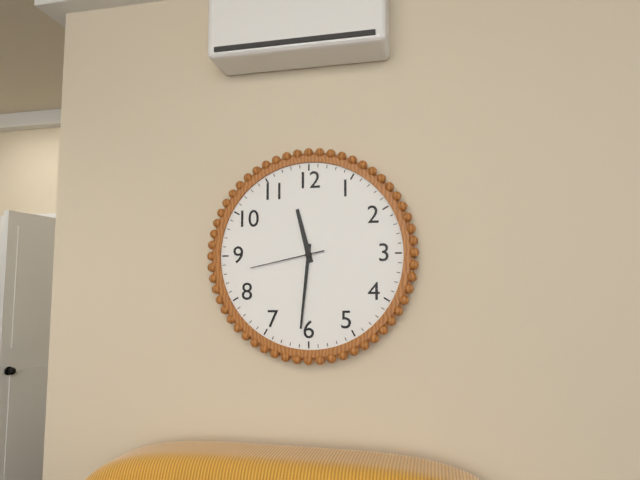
11:31:43
